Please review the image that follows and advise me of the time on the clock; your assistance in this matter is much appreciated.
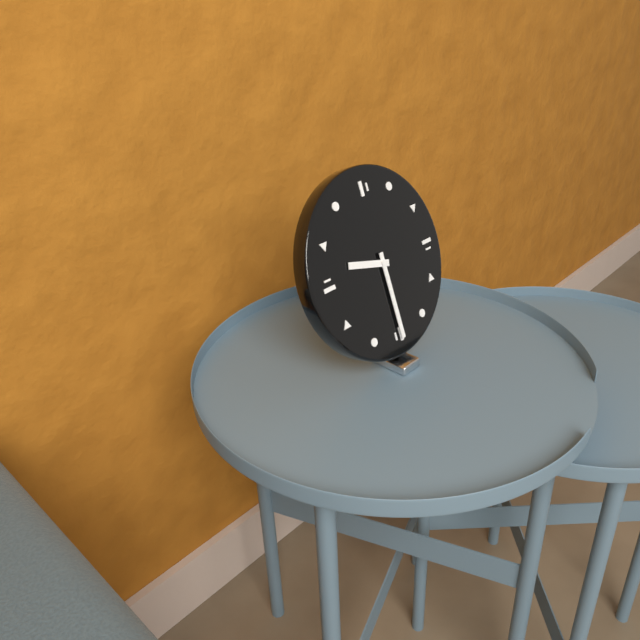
9:30
